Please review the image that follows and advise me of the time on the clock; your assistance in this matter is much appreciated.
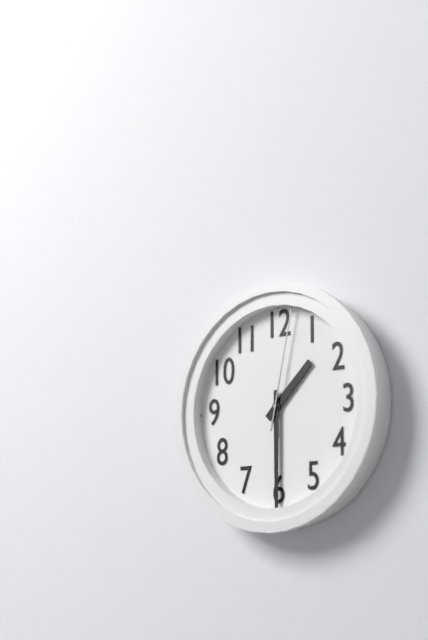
1:30:02
